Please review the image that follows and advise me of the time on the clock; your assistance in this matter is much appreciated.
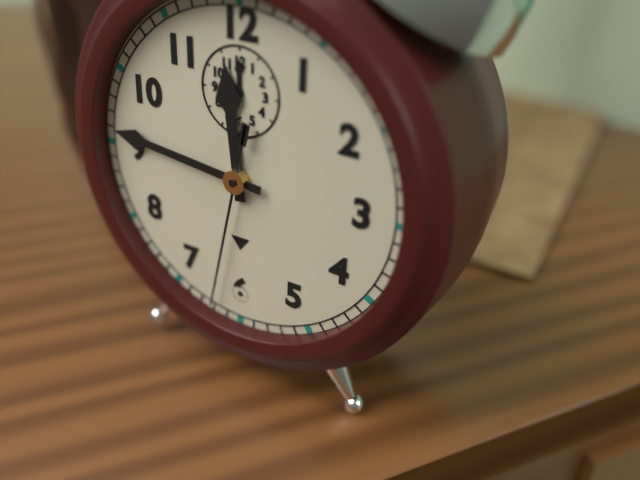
11:46:32
